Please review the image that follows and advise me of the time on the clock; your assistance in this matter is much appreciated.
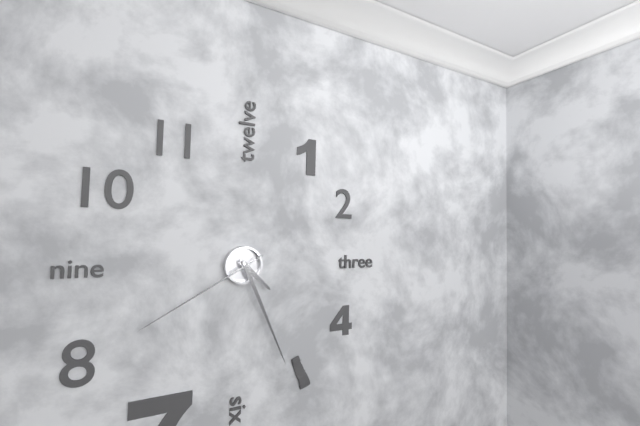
4:26:40
